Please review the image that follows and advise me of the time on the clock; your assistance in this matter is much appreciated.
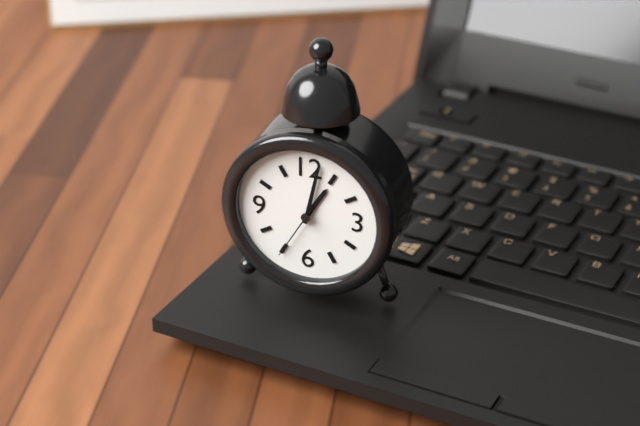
1:02:35
